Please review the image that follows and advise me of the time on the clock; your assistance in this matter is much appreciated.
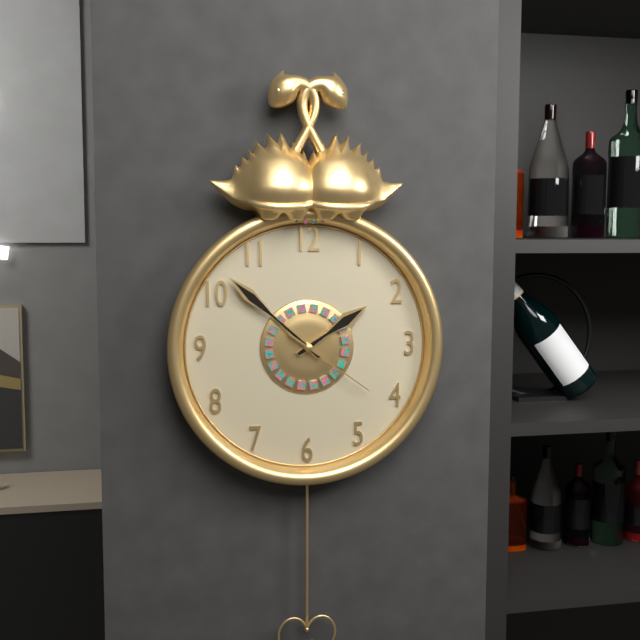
1:52:21
